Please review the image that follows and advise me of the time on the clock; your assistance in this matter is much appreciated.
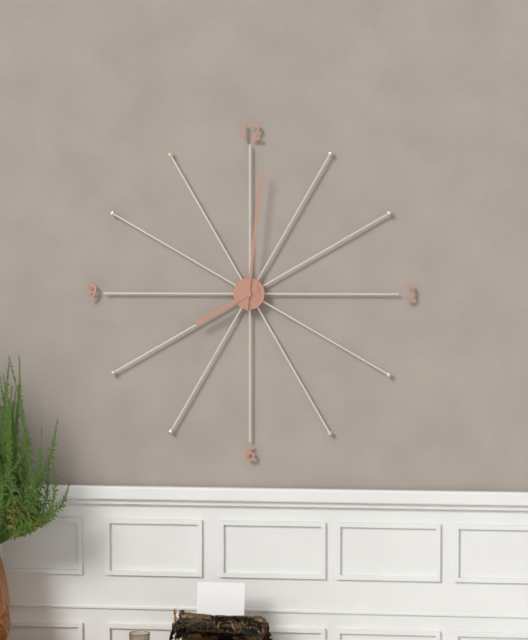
8:01
